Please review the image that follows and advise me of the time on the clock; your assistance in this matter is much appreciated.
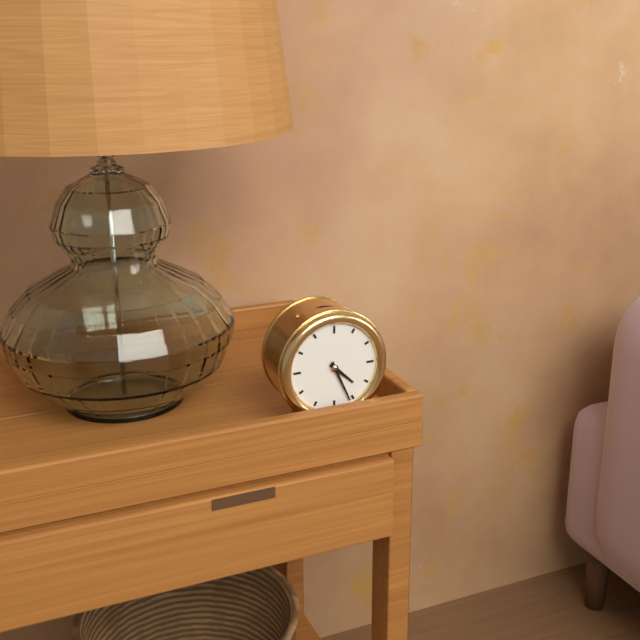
4:26
